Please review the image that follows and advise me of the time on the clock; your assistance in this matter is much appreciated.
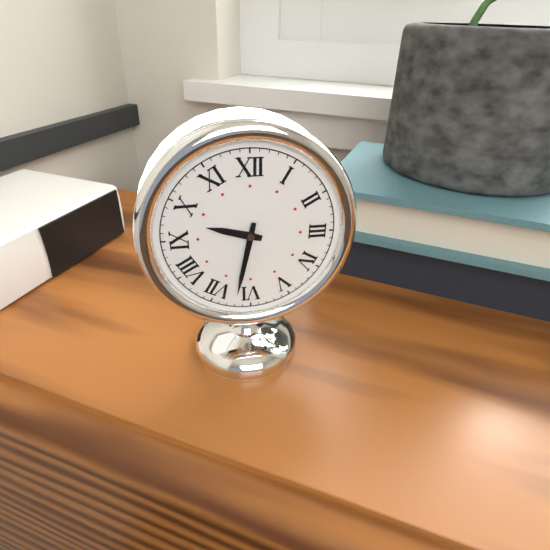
9:32
